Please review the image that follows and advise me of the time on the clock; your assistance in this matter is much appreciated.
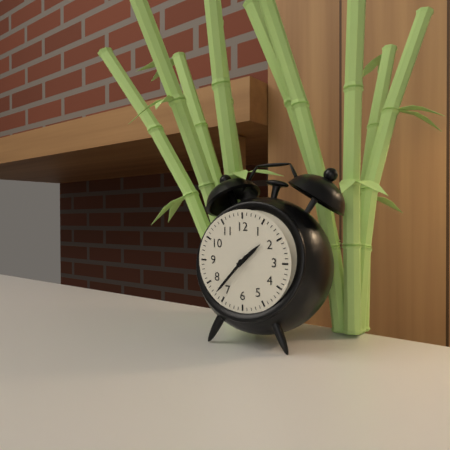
1:37
